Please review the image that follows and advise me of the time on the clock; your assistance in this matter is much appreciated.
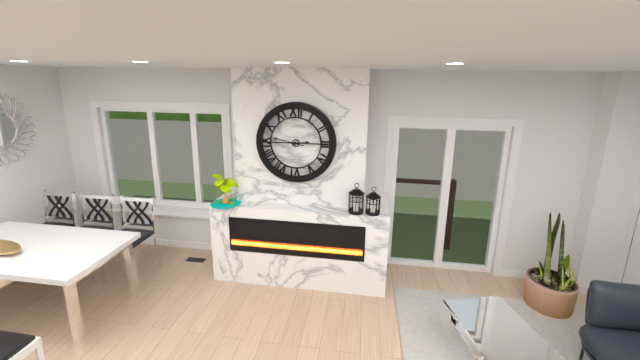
2:47
